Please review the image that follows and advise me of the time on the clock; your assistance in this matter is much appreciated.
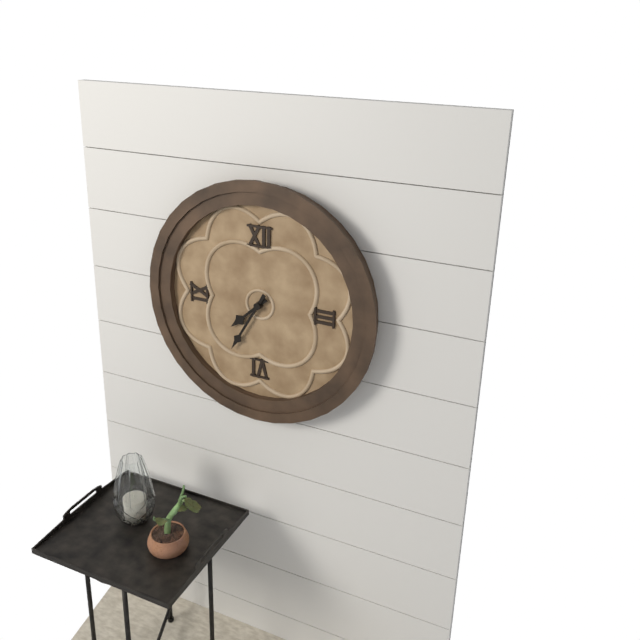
7:35
